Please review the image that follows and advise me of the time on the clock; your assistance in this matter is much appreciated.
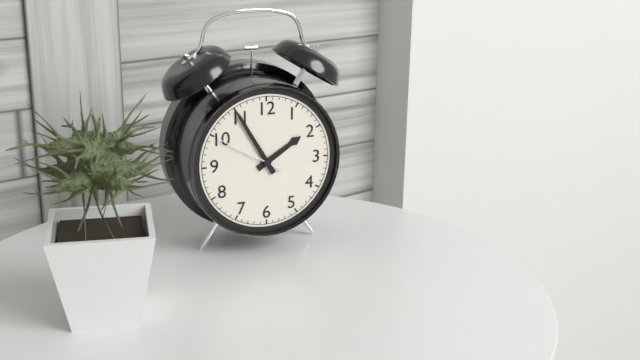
1:55:50
